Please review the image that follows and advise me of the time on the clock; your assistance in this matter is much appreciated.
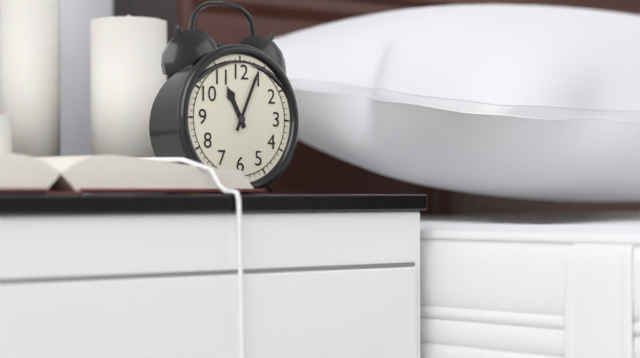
11:04
